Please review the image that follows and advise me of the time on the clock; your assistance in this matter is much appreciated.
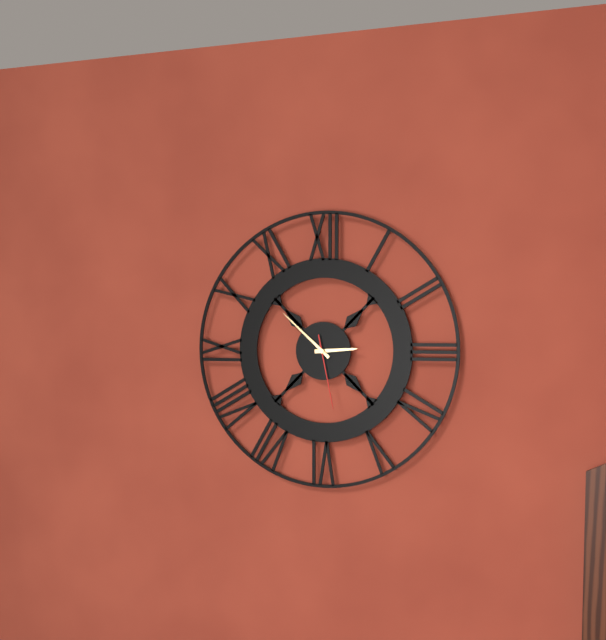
2:52:28
